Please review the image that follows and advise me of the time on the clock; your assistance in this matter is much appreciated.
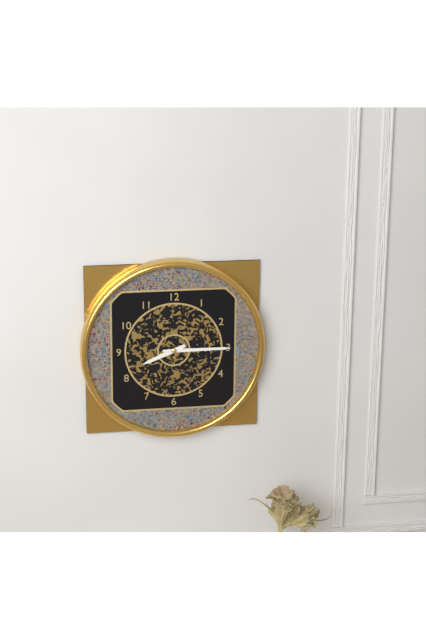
8:15
